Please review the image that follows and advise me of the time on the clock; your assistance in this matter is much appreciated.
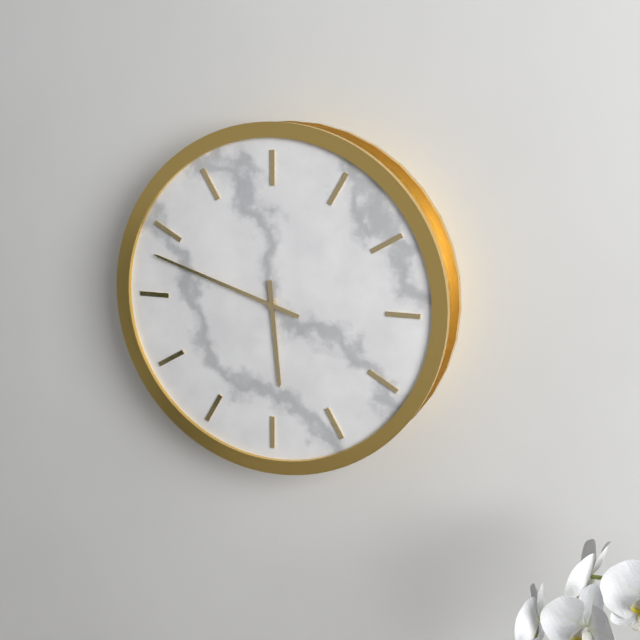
5:48
